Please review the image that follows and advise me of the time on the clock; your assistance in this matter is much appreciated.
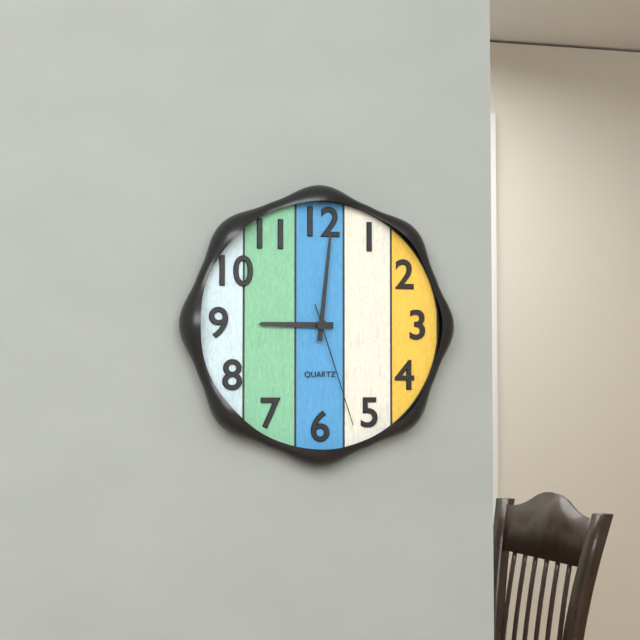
9:01:27
